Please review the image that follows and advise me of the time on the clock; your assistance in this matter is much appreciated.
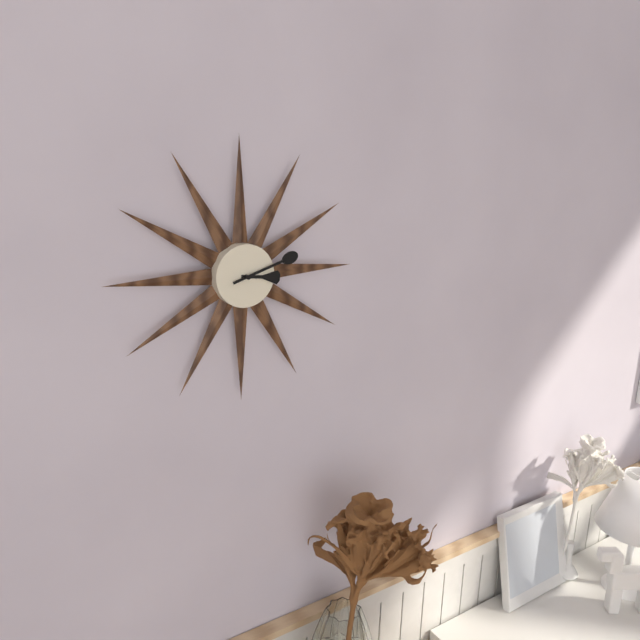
3:12
